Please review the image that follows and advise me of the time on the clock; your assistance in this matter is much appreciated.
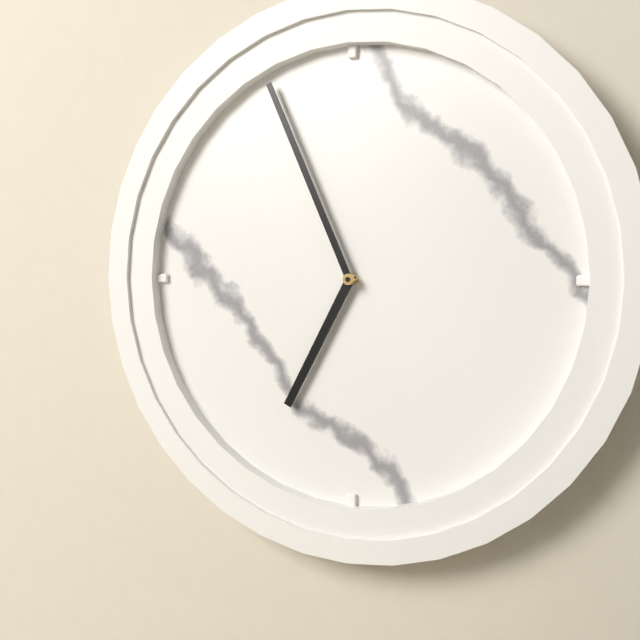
6:56
